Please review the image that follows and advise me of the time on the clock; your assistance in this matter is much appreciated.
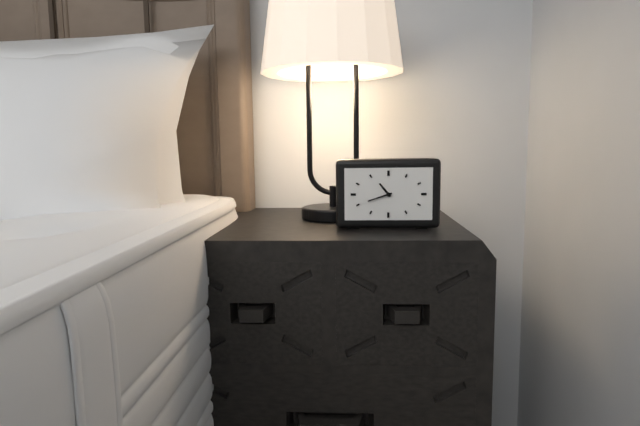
10:42
